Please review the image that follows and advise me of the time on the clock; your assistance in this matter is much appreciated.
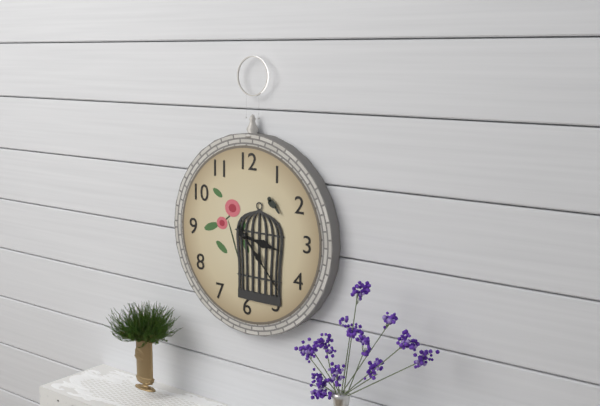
3:23
